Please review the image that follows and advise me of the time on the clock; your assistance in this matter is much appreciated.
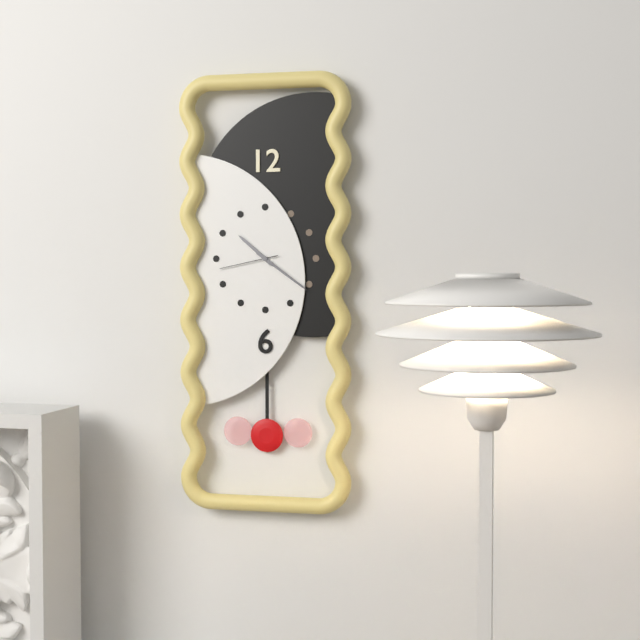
10:21:43
